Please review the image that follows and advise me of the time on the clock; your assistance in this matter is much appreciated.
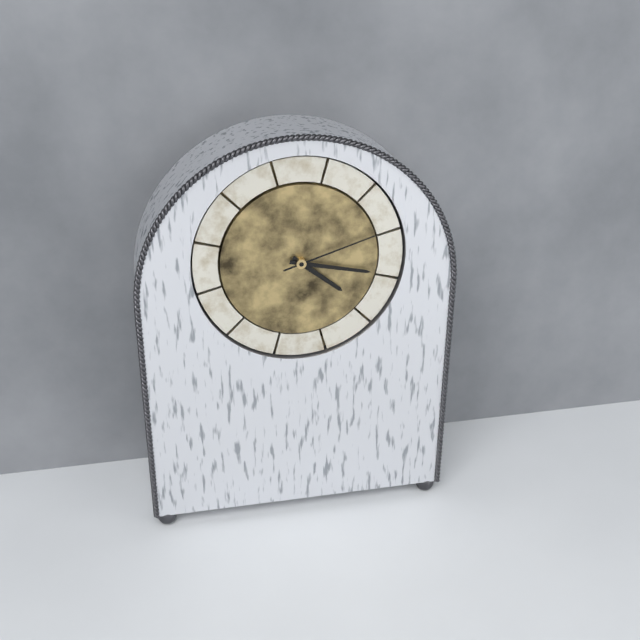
4:17:12
